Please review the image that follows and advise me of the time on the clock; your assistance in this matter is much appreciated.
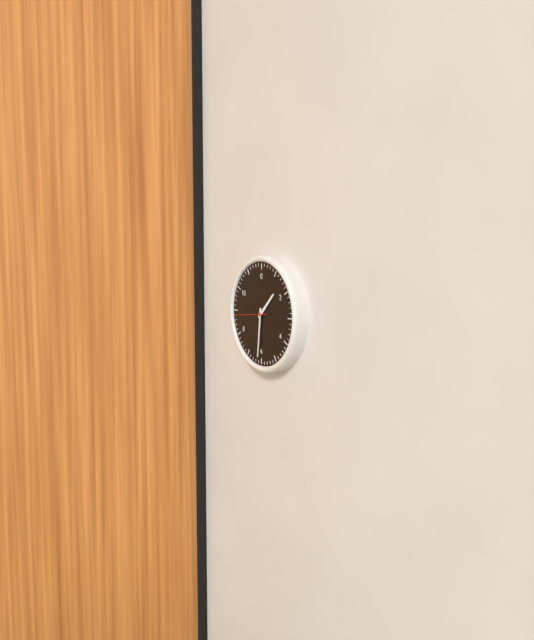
1:31
